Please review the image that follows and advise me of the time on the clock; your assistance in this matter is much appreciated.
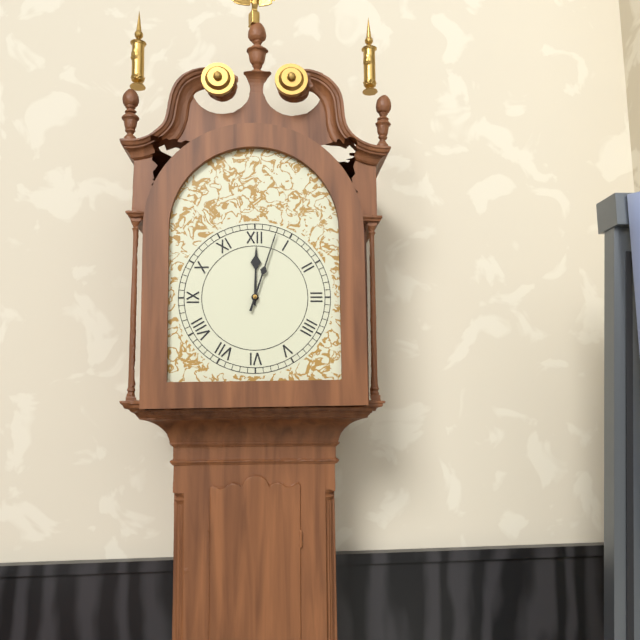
12:03
